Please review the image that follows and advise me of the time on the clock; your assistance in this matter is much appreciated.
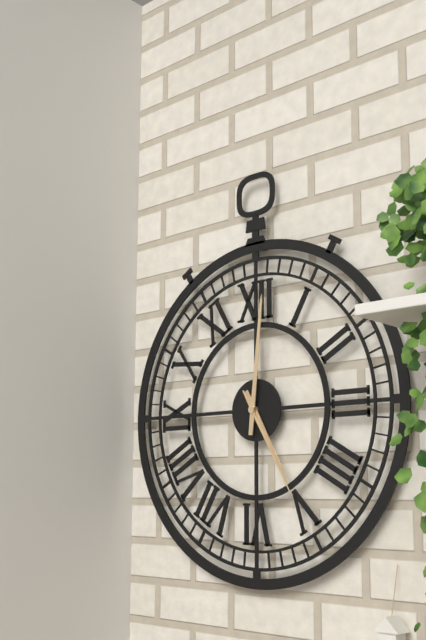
5:01:25
